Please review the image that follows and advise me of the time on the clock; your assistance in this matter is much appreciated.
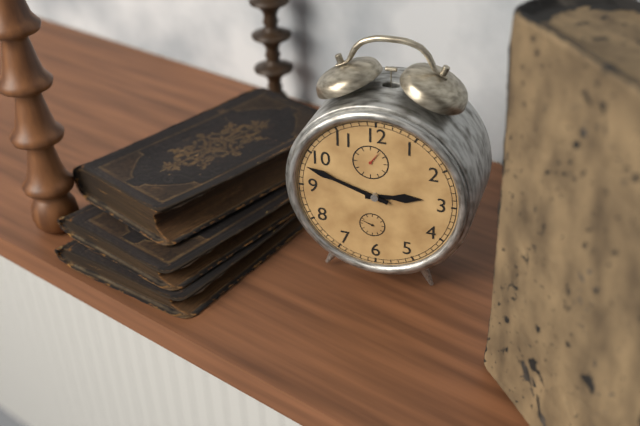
2:48
